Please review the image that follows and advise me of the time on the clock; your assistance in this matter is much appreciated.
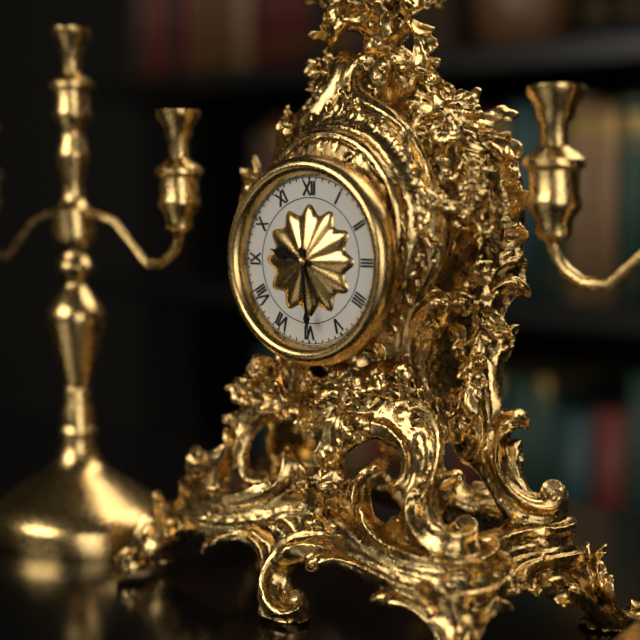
9:29
